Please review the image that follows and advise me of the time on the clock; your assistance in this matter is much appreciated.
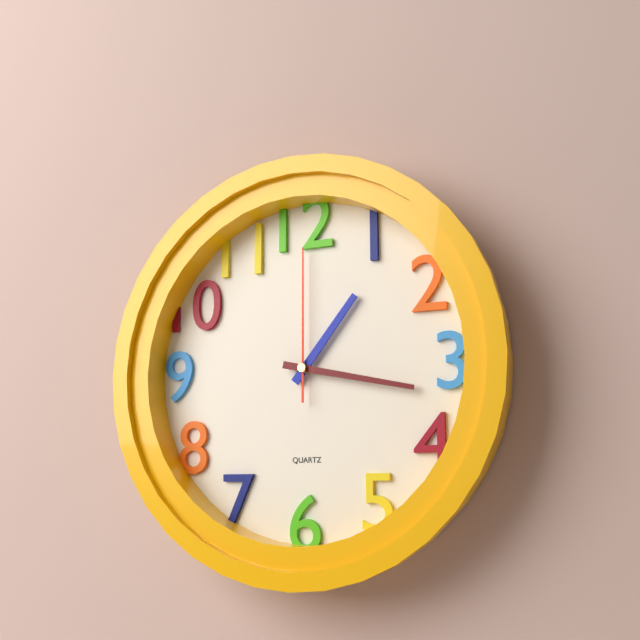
1:17:00
